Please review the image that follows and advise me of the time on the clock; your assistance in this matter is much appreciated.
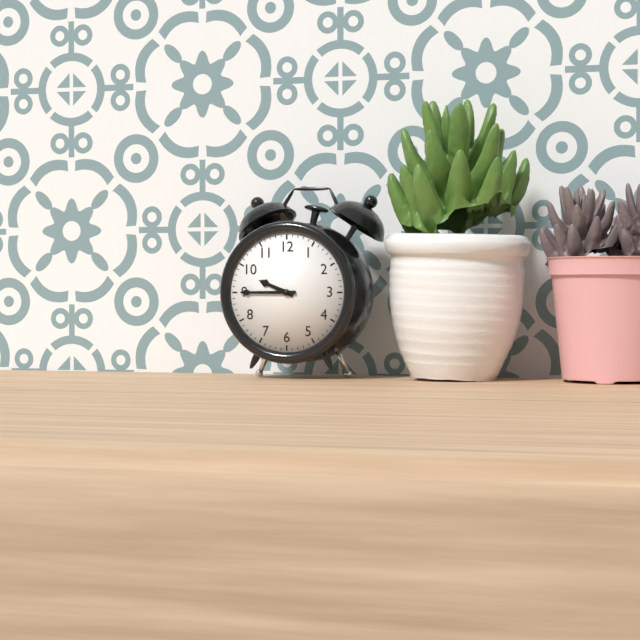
9:45
